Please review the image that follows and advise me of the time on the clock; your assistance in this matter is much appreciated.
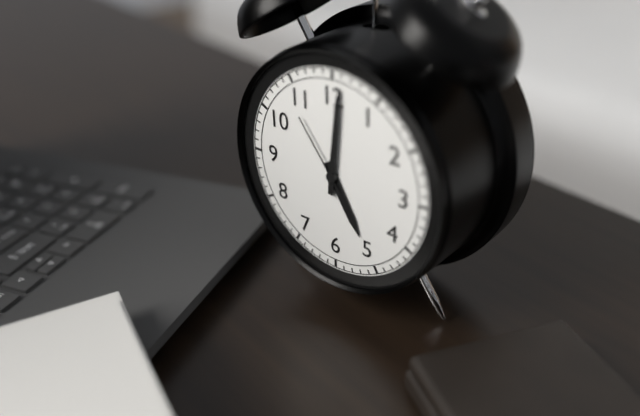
5:01:54
